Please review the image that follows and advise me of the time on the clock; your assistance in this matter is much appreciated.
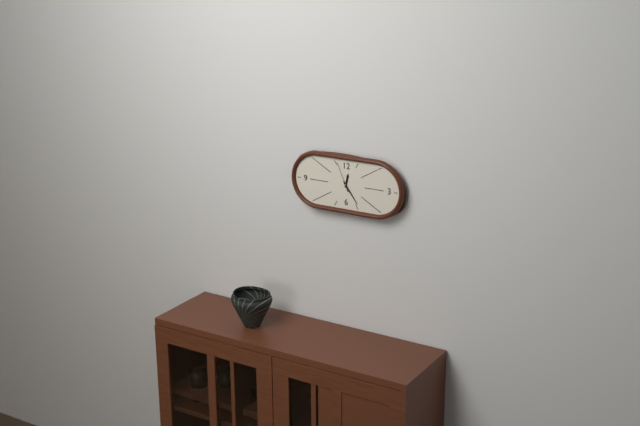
12:24
